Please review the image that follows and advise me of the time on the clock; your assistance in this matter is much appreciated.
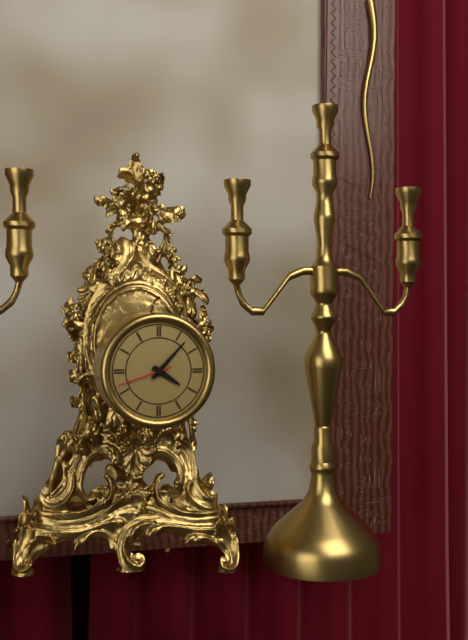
4:07:42
